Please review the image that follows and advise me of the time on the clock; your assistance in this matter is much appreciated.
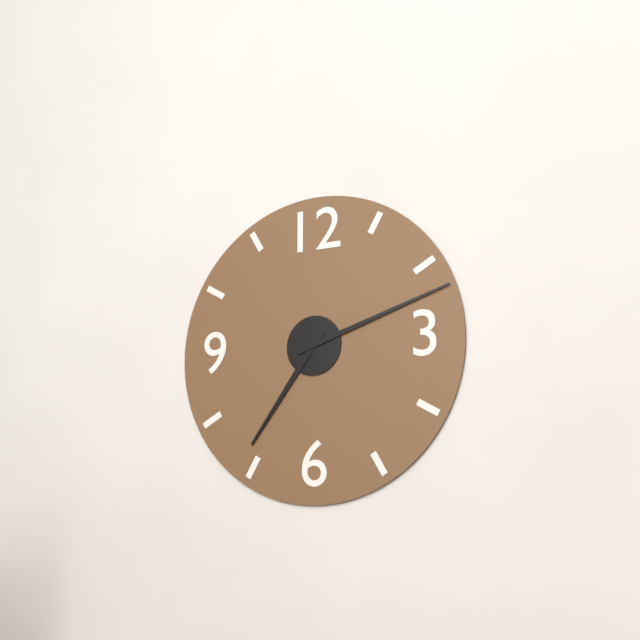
7:12
